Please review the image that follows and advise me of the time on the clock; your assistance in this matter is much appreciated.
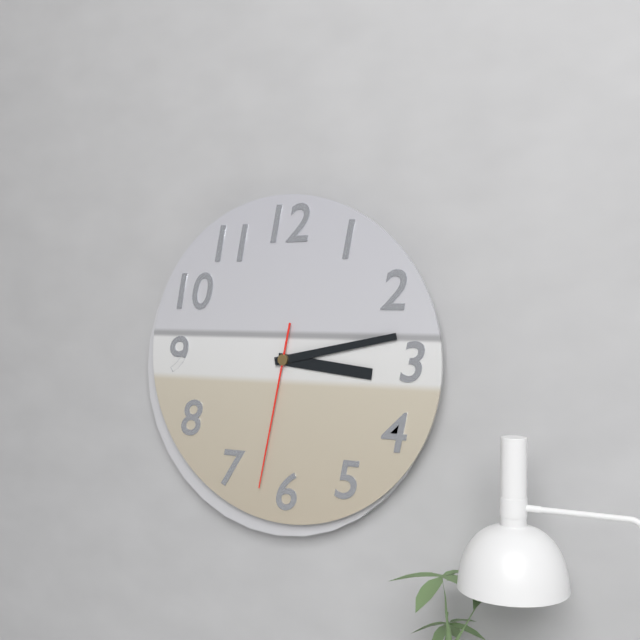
3:13:32
